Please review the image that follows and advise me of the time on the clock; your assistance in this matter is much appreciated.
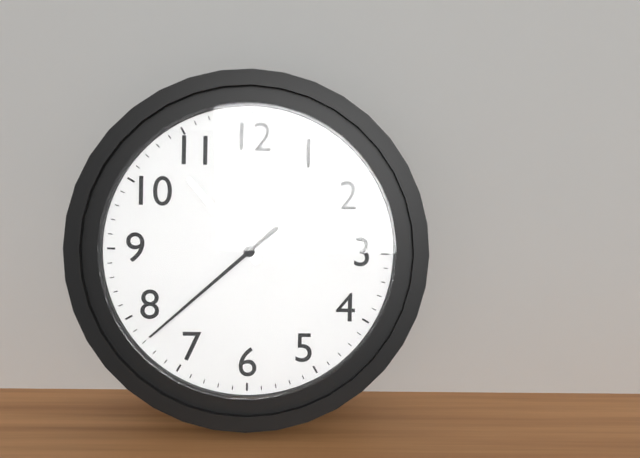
10:38
